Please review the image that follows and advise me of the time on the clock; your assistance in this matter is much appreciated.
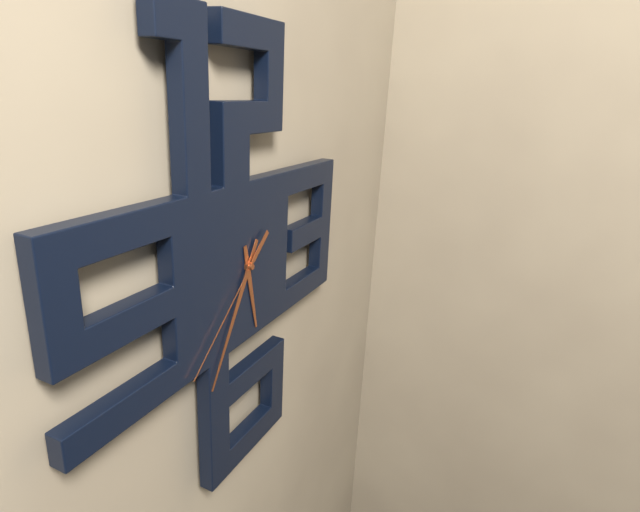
5:35:38
